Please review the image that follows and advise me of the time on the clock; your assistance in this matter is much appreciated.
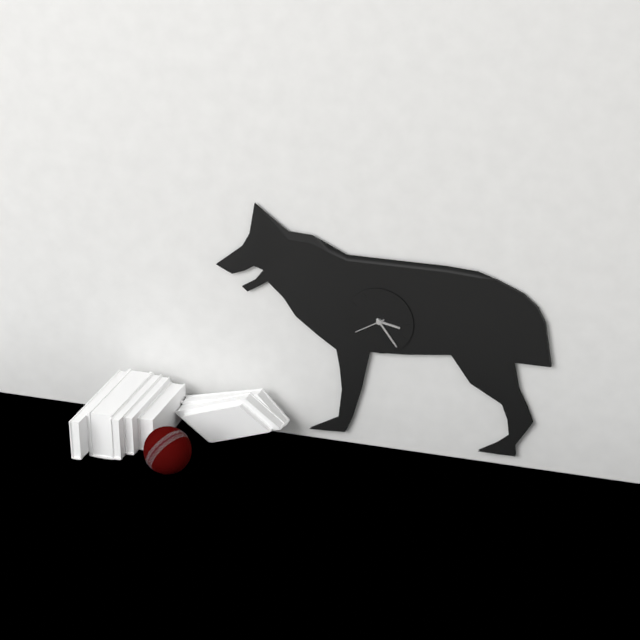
3:24
